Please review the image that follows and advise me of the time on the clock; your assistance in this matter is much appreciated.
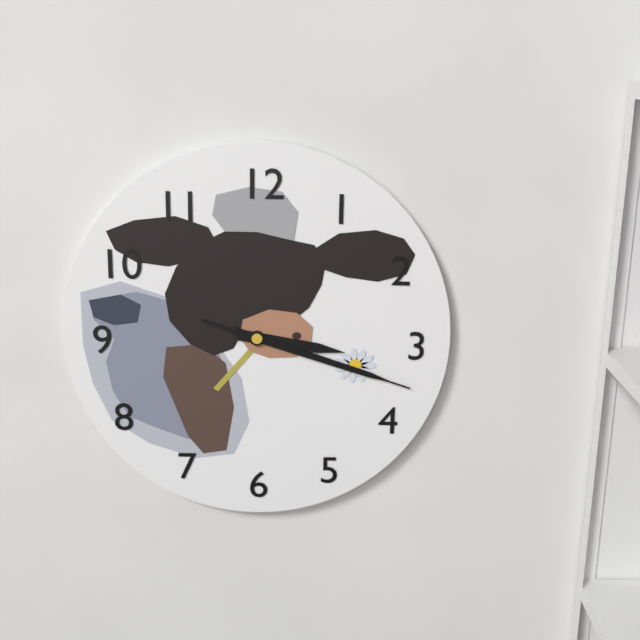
3:18:18
